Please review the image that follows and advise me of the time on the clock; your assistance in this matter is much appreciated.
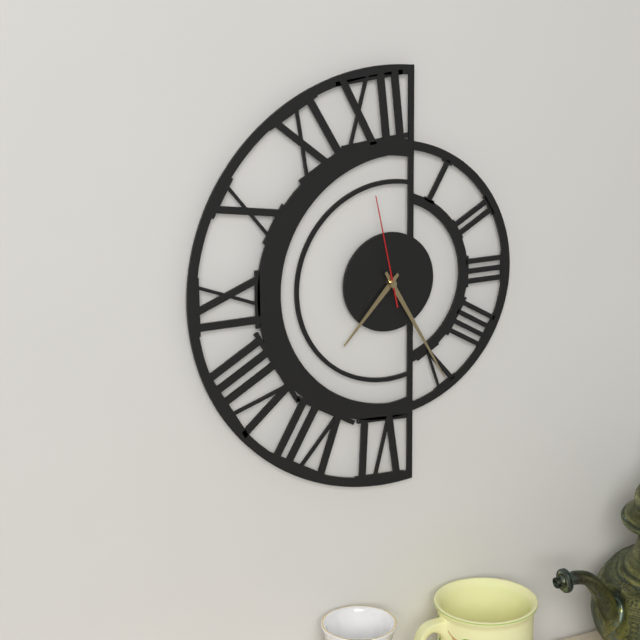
7:25:58
